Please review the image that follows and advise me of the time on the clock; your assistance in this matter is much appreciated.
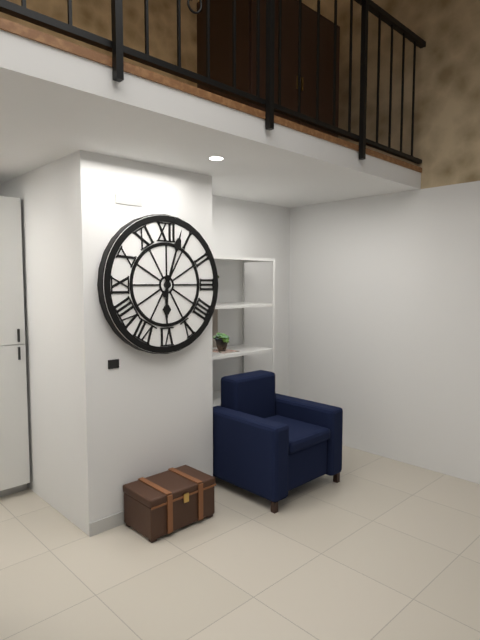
6:03
